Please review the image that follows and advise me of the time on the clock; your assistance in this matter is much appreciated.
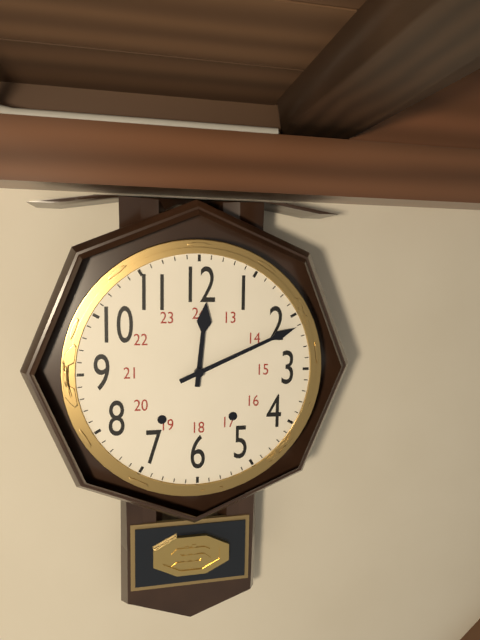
12:11
